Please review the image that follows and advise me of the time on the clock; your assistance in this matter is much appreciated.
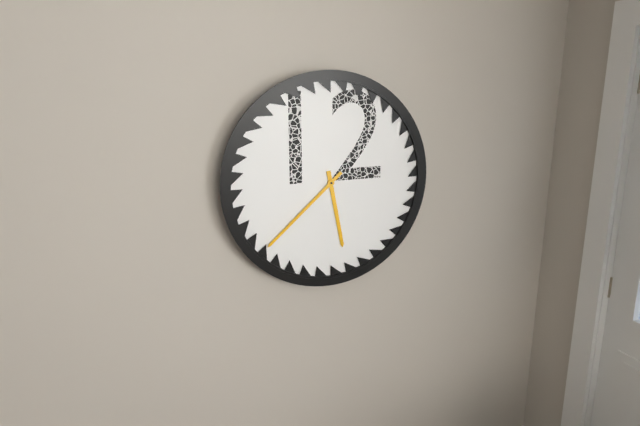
5:38
